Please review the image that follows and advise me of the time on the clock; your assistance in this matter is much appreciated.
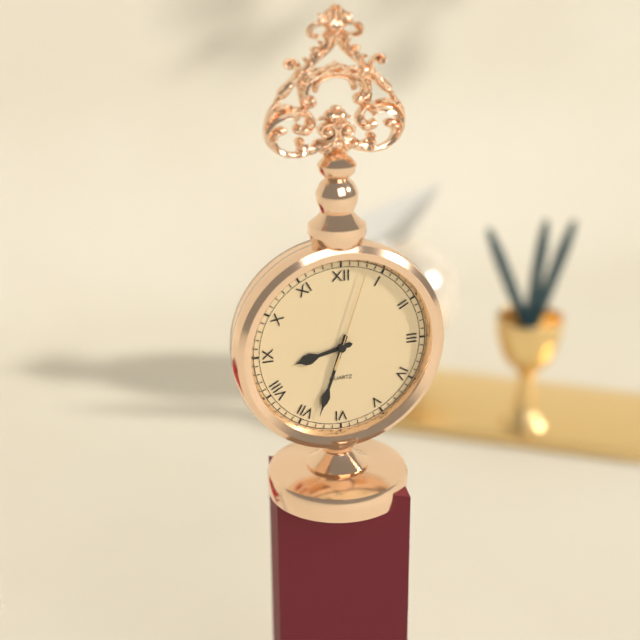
8:33:03
